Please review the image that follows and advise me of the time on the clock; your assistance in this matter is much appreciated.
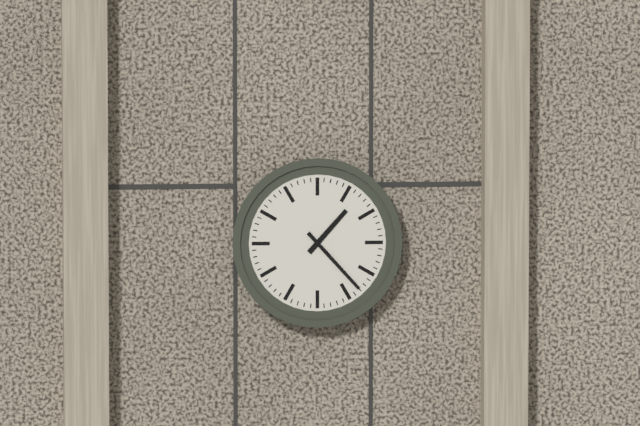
1:23
